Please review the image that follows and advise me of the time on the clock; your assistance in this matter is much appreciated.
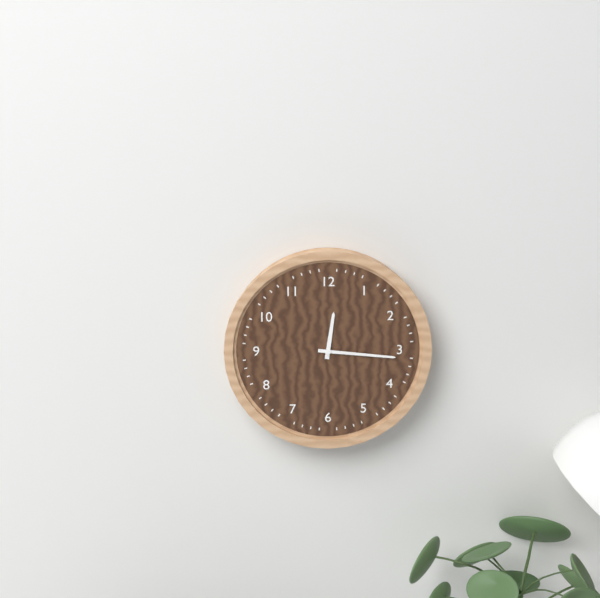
12:16
